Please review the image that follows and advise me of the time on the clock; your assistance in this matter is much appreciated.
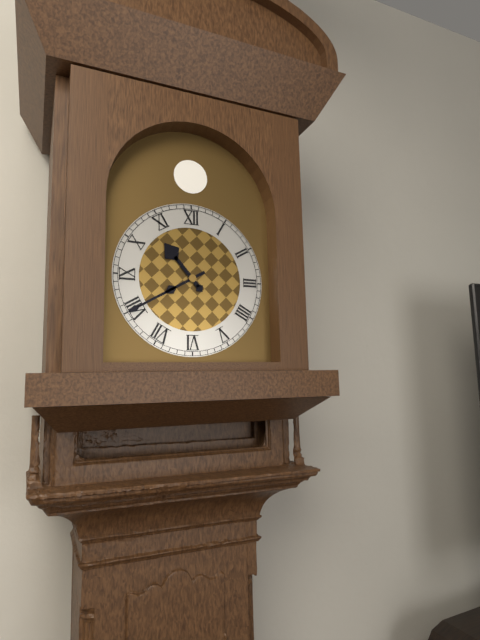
10:40
